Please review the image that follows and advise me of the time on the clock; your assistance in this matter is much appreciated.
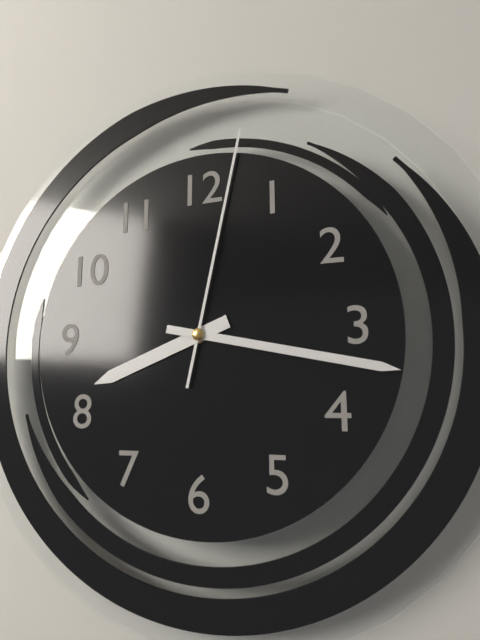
8:17:02
